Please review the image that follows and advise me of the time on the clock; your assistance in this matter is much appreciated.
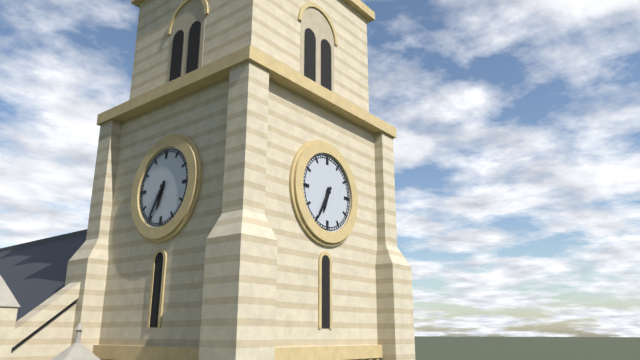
6:35
